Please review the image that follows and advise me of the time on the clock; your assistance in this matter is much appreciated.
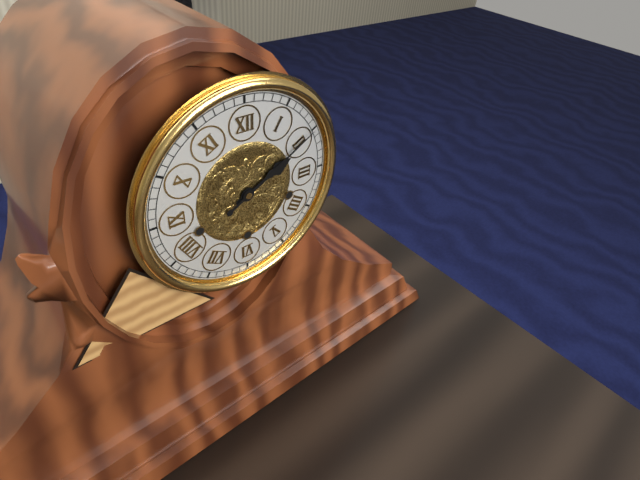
2:10
